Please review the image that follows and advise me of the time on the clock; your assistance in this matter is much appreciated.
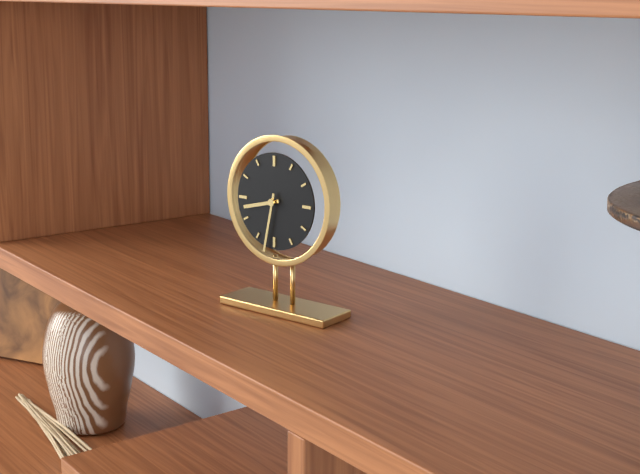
8:32
